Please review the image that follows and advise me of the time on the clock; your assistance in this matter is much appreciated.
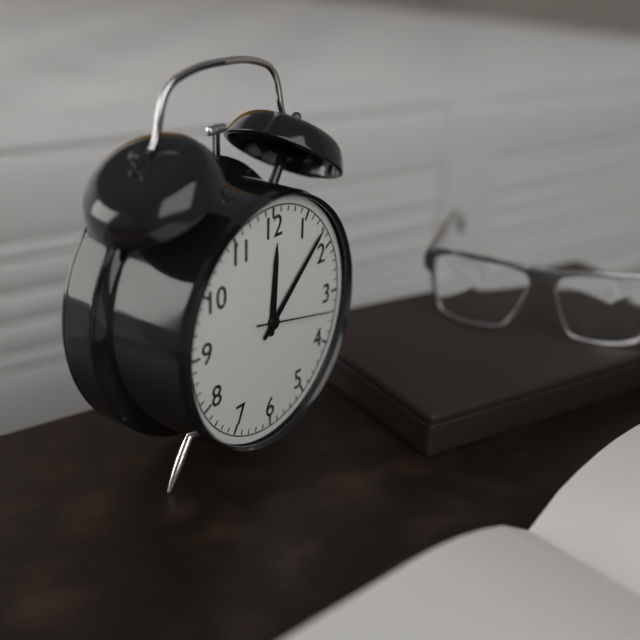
12:08:17
